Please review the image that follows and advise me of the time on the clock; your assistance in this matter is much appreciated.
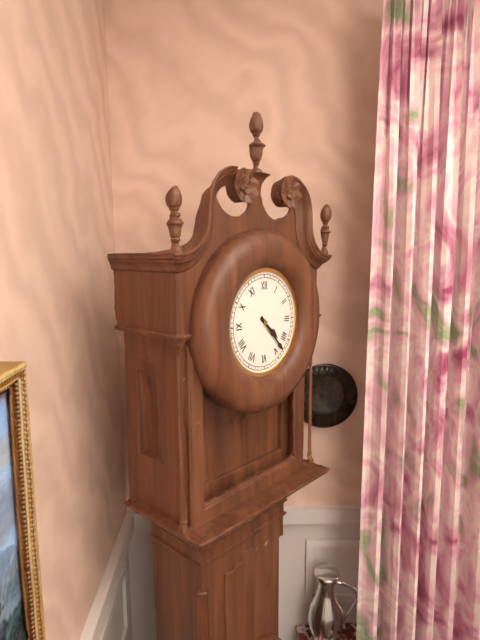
4:23
